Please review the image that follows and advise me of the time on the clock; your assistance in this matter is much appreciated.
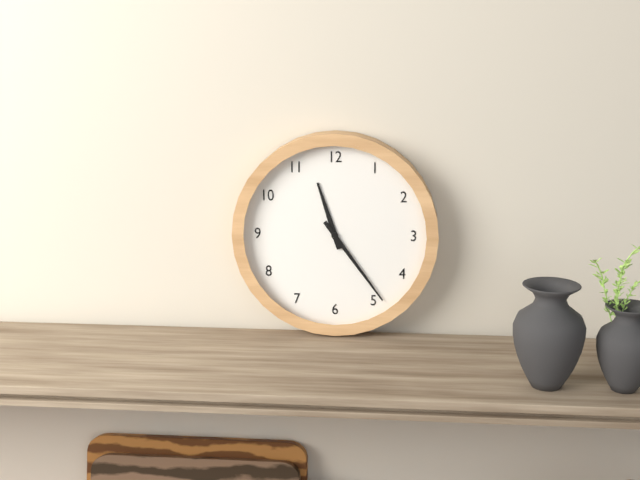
11:24
